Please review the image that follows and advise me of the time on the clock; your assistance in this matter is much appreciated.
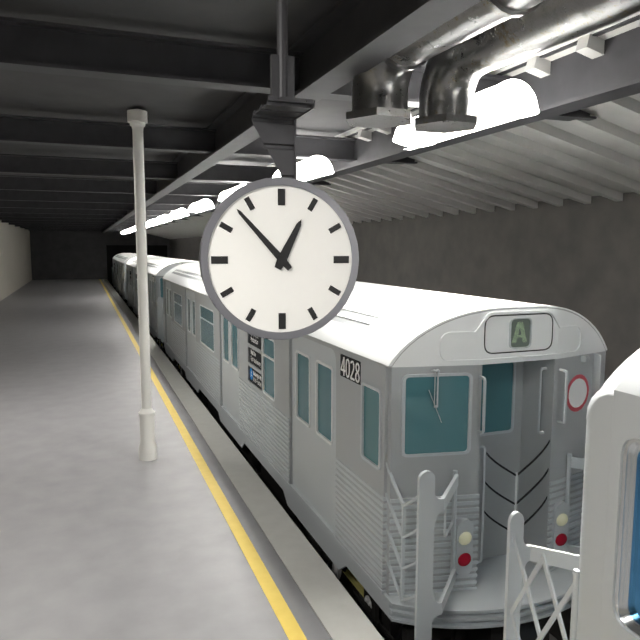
12:53
